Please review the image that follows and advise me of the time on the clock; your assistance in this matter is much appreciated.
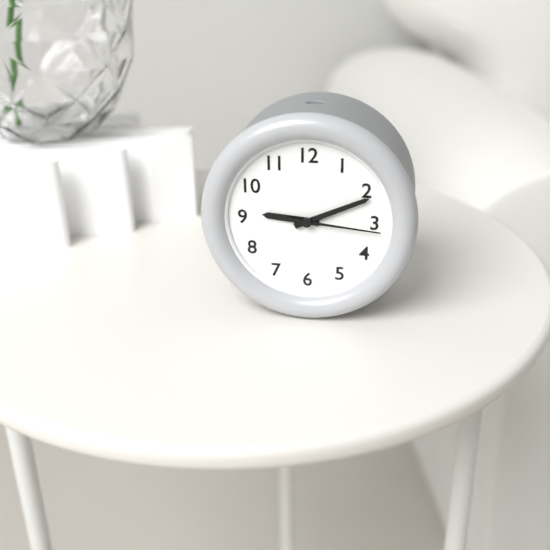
9:11:16
